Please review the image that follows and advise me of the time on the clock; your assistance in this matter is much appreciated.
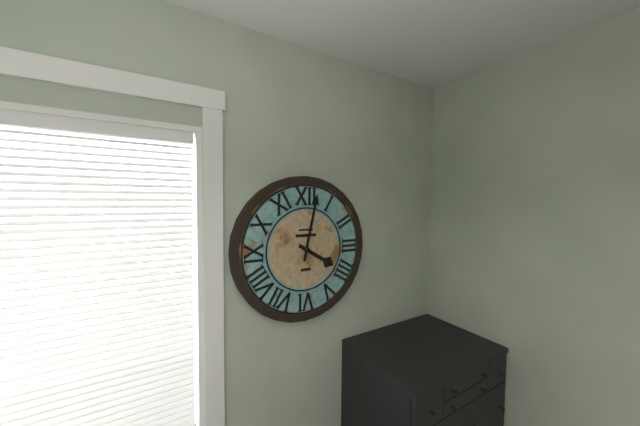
4:02
